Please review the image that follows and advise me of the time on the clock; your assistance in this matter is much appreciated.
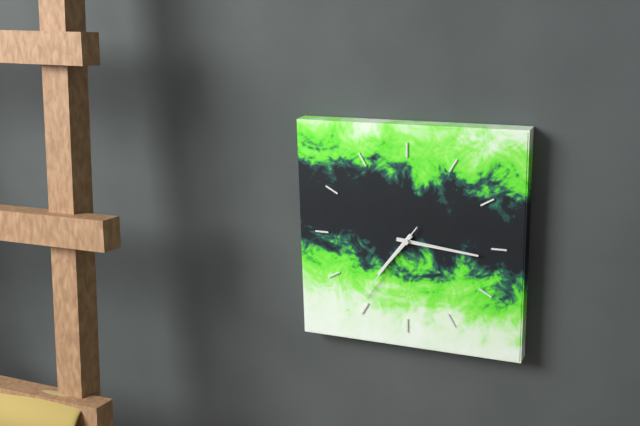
7:16:36
